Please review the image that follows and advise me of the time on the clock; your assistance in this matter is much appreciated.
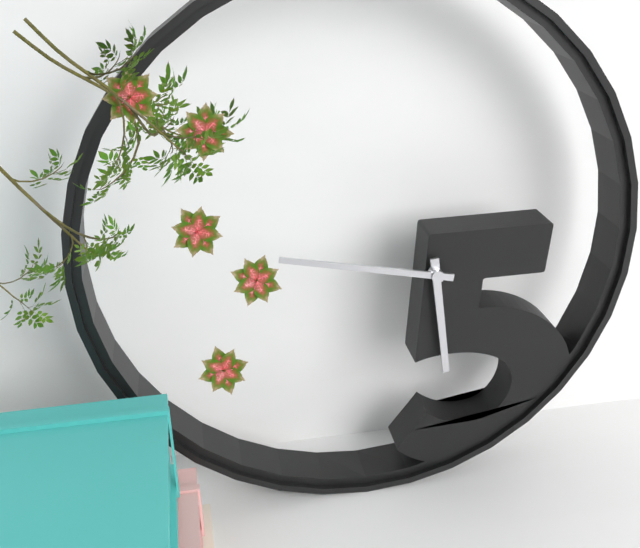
5:47
